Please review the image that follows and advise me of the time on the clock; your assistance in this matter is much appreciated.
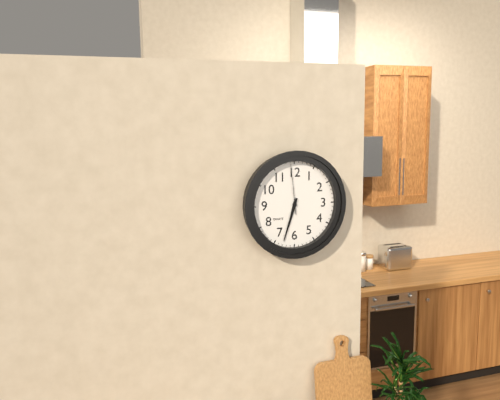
6:33:59
